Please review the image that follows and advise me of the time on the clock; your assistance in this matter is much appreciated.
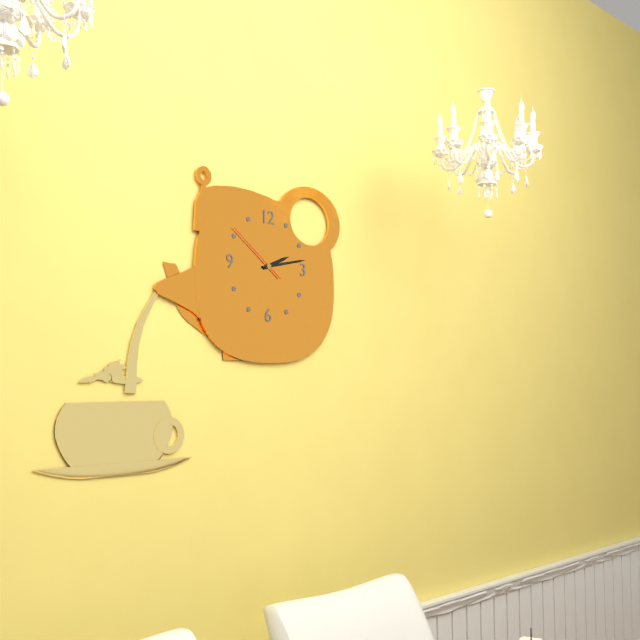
2:13:51
